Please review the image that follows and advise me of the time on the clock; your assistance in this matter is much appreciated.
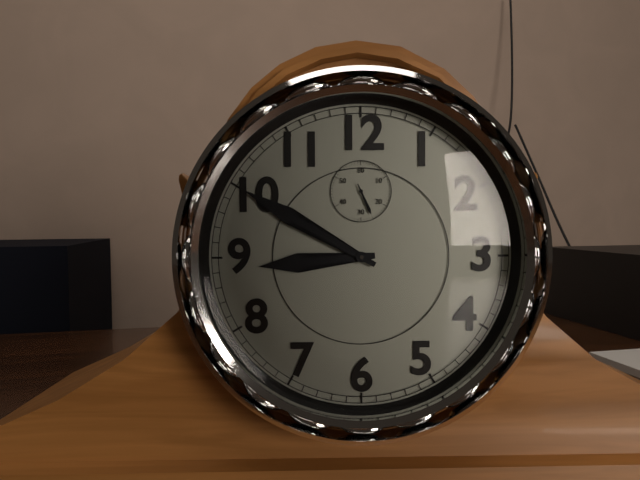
8:50
